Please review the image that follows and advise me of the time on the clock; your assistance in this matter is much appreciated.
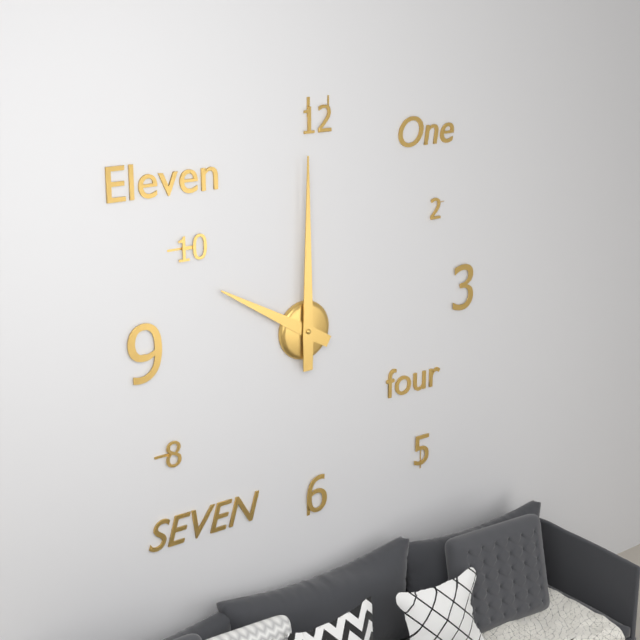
10:00
